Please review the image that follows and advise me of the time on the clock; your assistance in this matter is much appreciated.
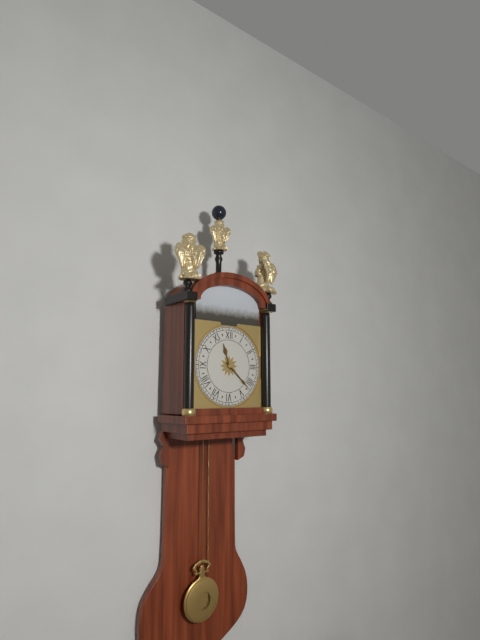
11:22
